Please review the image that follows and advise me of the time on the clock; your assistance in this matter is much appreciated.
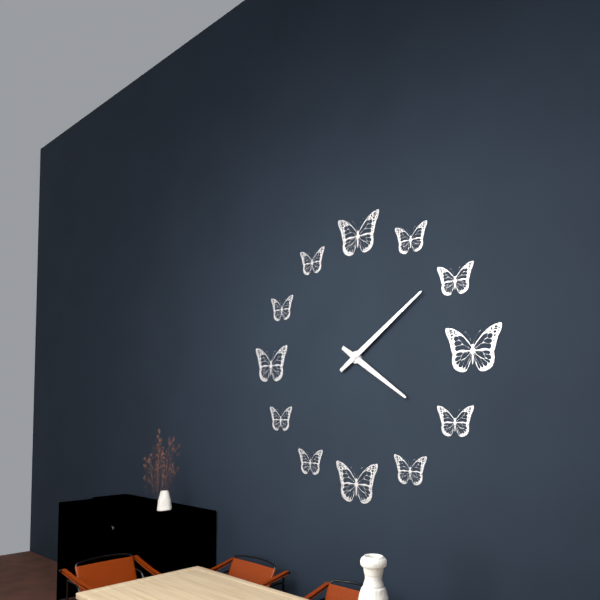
4:09
